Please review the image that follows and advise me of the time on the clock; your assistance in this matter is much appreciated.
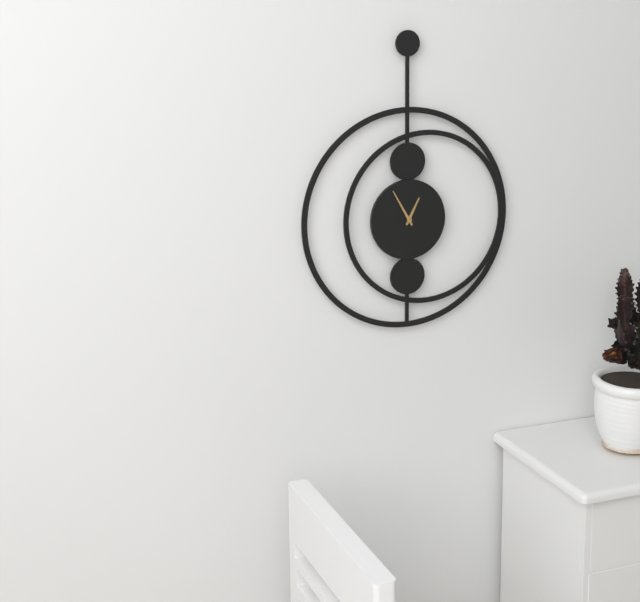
12:55
